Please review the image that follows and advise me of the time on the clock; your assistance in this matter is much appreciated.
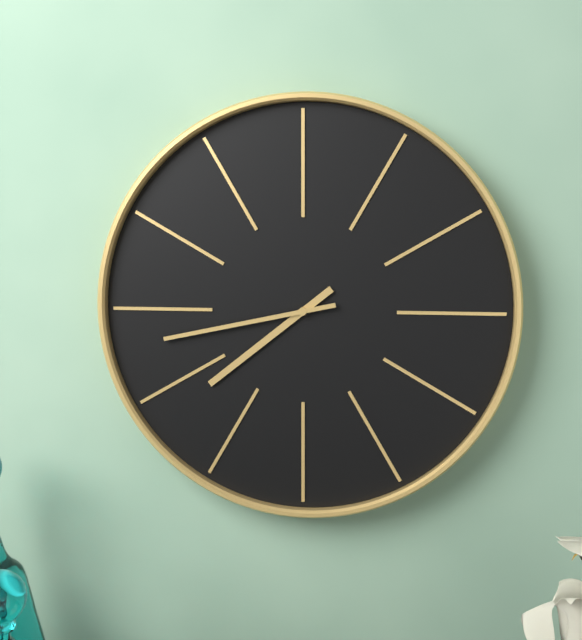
7:43
